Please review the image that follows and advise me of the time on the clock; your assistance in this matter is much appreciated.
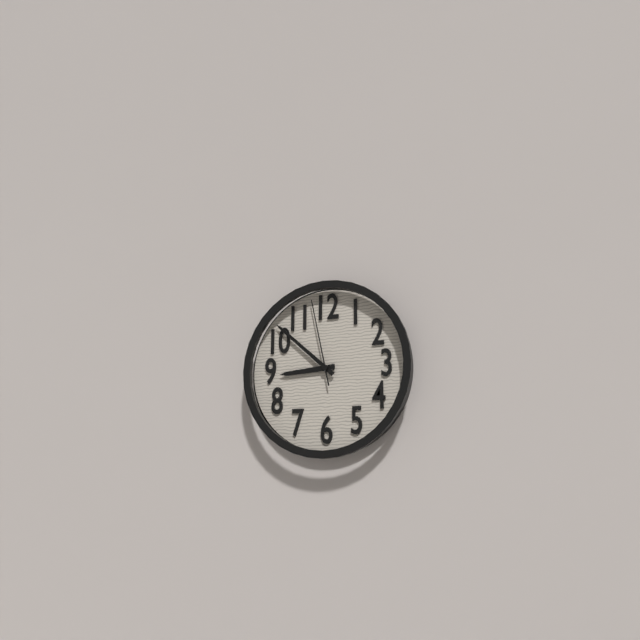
8:52:58
